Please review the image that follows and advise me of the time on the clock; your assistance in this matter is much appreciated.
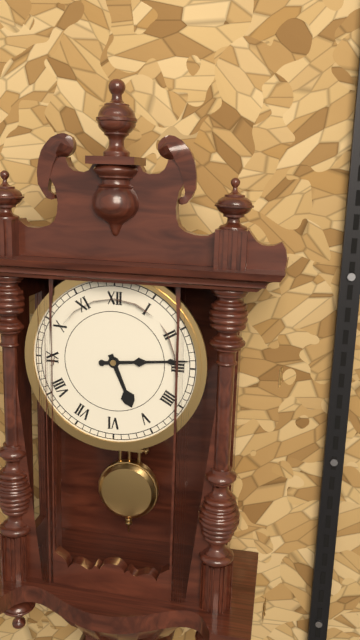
5:14
